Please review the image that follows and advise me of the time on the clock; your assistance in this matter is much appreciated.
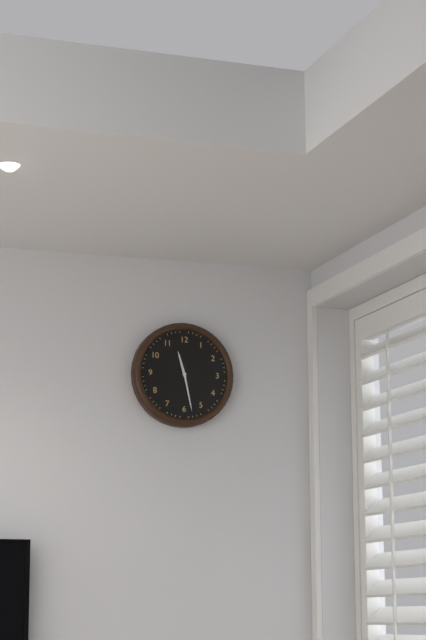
11:28
